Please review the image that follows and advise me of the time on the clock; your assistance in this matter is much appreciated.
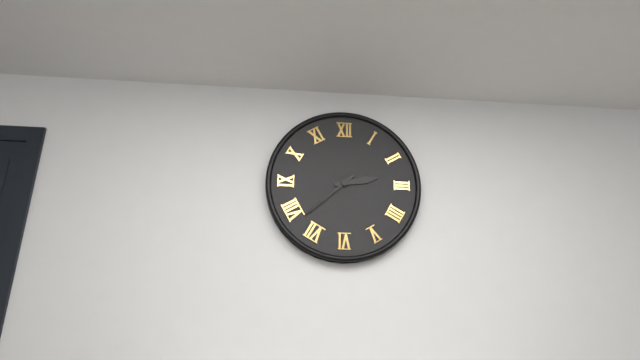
2:38
